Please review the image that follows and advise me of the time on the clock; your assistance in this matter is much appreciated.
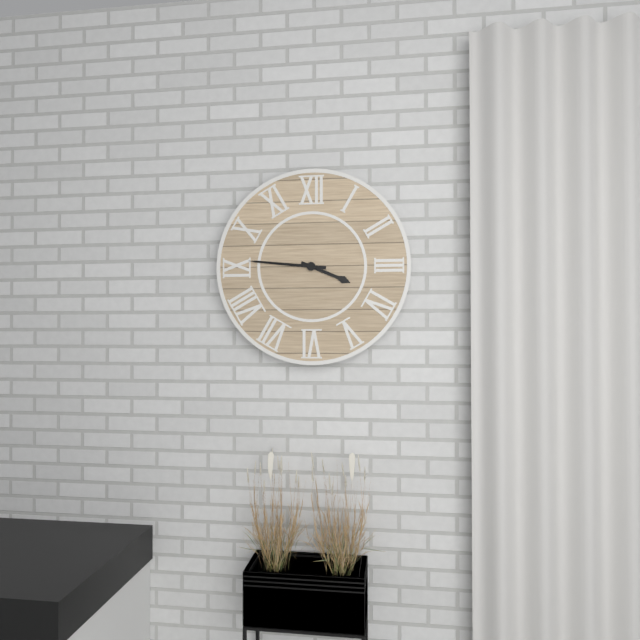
3:46
